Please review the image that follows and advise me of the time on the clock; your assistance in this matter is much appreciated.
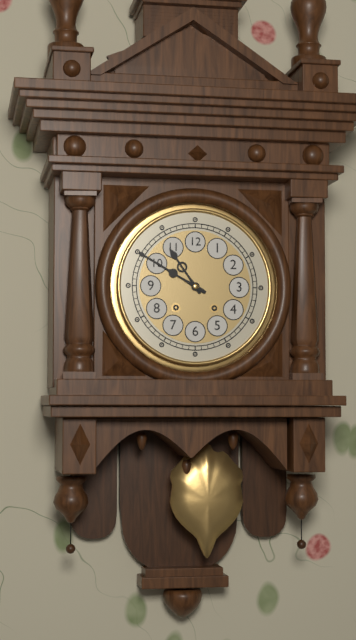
10:50
